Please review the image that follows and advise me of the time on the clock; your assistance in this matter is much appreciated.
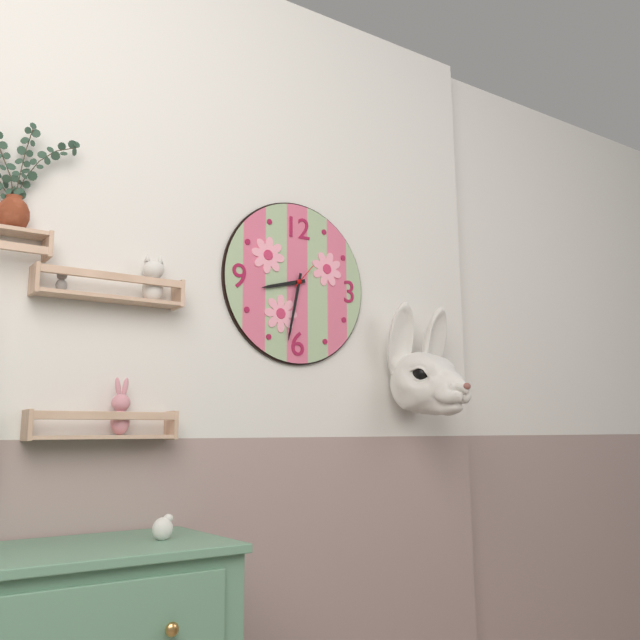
8:32
